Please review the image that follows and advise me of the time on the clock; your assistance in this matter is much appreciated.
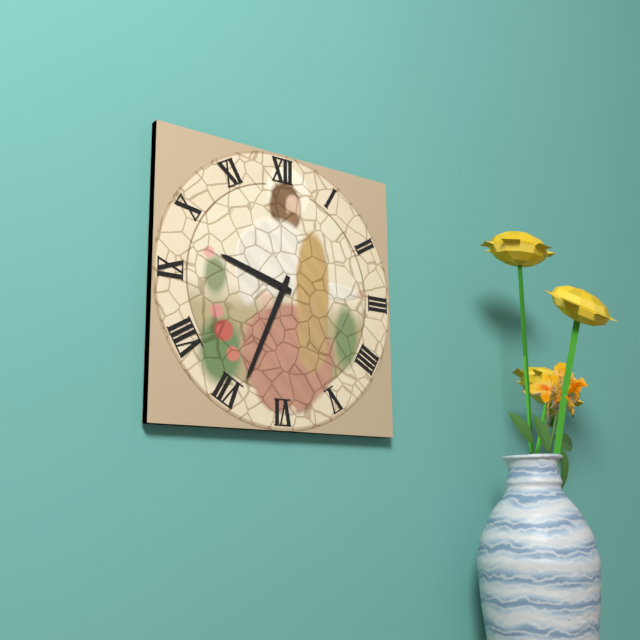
9:34
